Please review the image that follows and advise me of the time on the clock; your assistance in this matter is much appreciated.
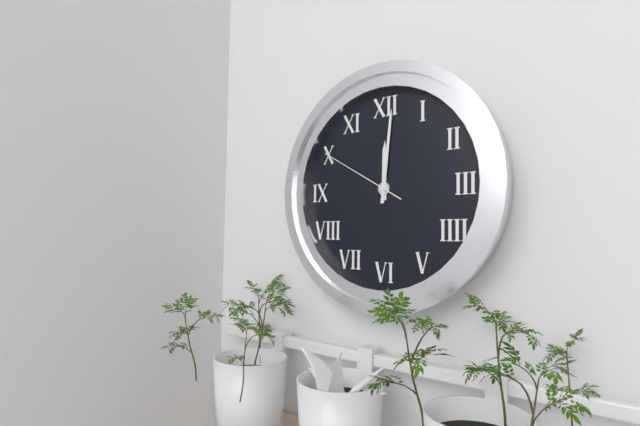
12:01:50
